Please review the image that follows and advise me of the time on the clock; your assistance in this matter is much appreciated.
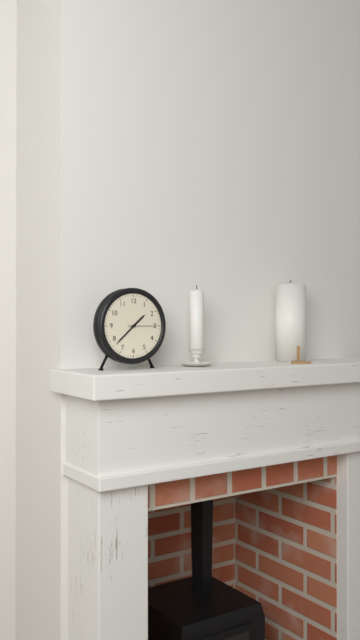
1:38
